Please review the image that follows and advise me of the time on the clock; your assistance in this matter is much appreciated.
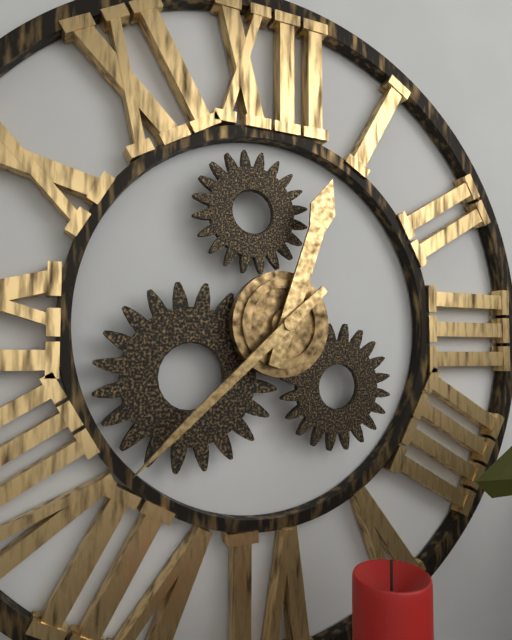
12:38
